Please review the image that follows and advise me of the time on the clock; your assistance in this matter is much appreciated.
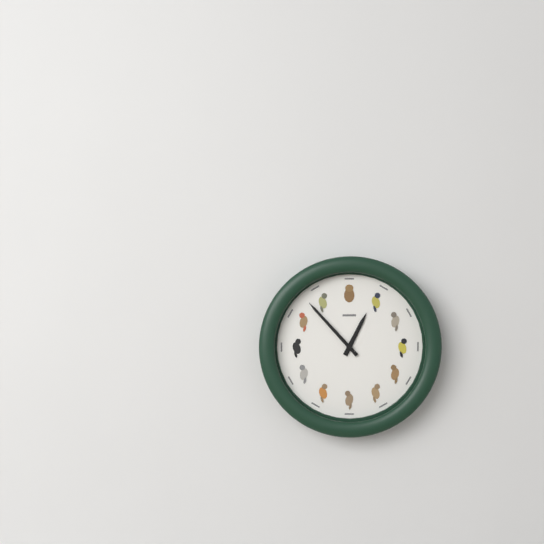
12:53
